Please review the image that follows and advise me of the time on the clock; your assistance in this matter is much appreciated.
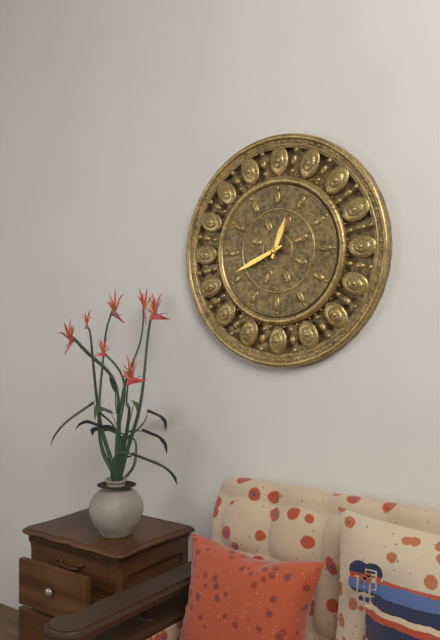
12:41
